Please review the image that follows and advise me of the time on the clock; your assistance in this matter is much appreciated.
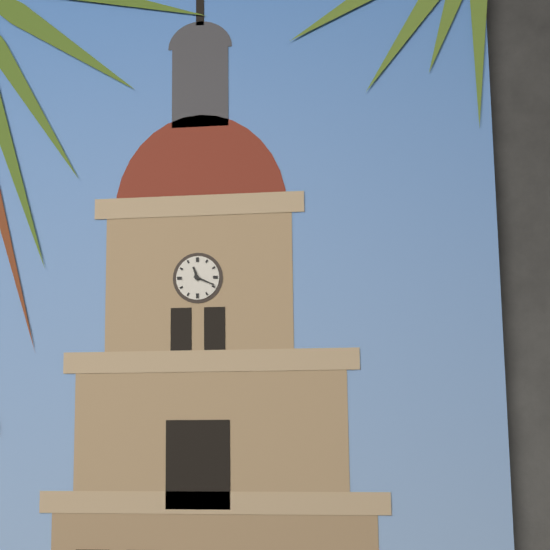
11:19
